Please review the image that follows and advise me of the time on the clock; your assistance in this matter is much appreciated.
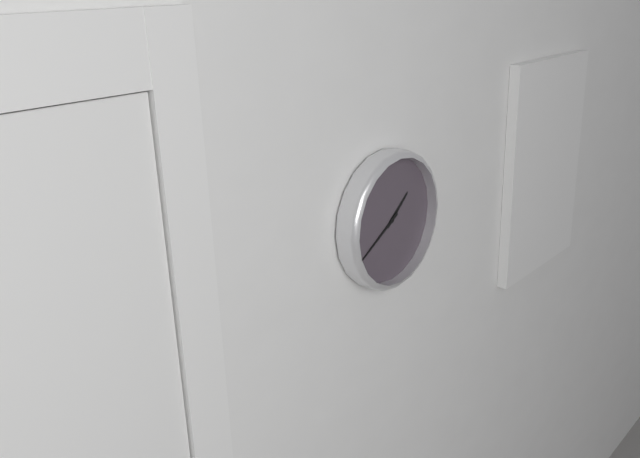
1:40
